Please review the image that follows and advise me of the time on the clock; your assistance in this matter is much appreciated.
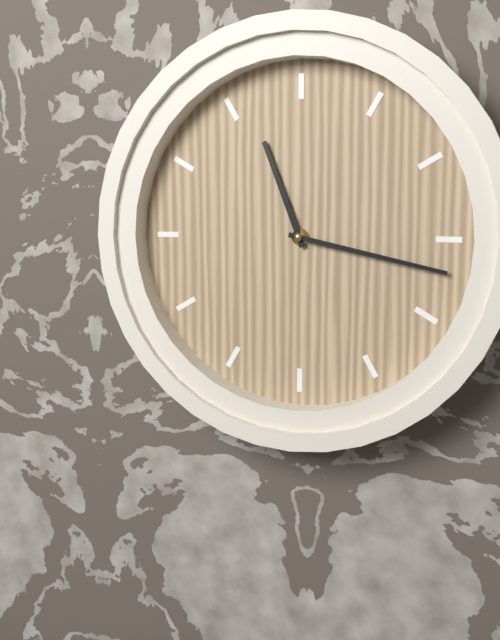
11:17
